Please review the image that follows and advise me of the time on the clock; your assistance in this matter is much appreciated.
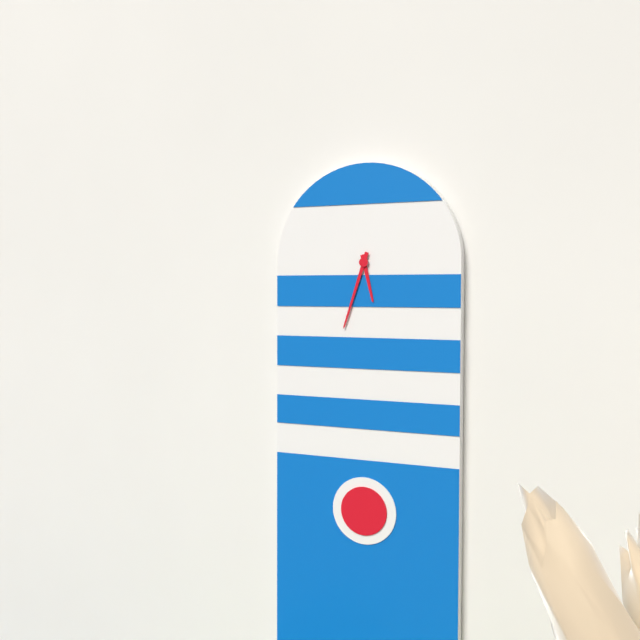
5:33
